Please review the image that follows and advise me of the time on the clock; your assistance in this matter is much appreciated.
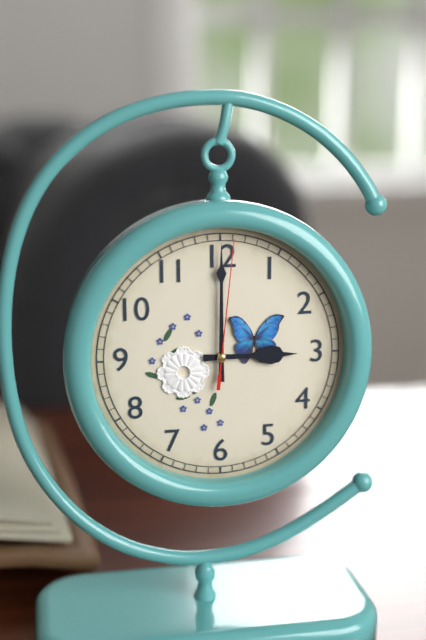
3:00:01
